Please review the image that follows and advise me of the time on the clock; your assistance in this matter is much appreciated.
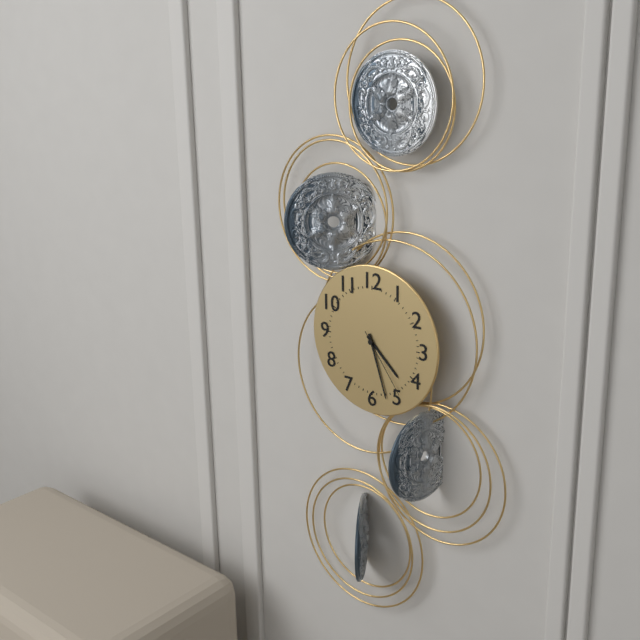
4:27:24
